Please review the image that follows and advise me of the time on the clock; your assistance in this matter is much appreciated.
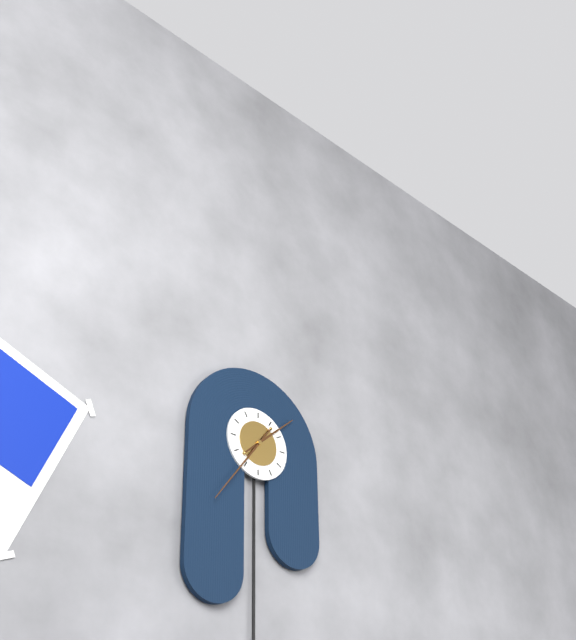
1:36
